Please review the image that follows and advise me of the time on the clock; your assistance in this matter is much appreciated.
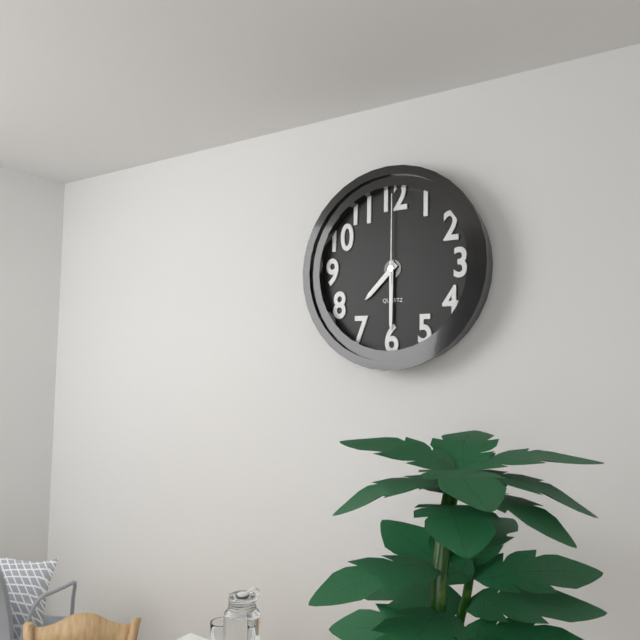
7:30:00
